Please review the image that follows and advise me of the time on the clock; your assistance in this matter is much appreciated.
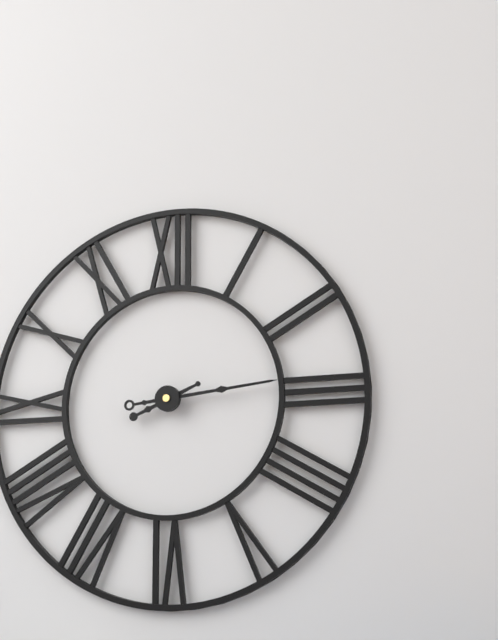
8:14
